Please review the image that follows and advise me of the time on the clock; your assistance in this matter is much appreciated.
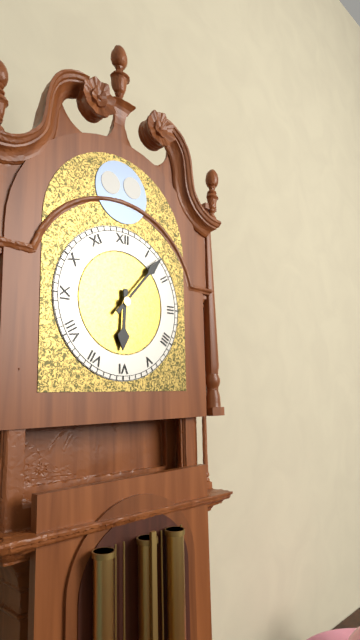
6:07
